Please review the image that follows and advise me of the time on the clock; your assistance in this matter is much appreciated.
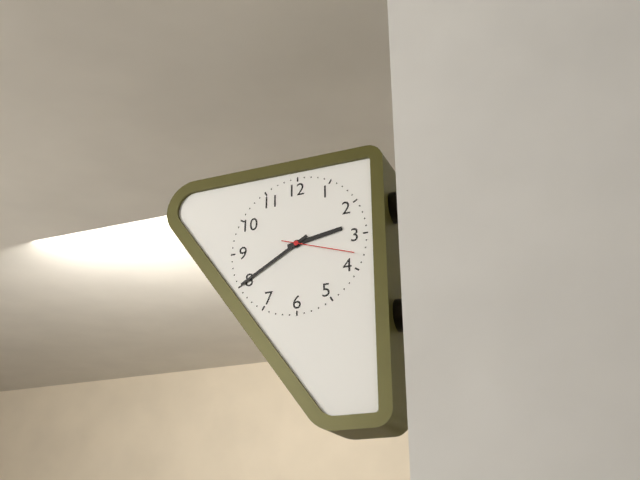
2:40:18
